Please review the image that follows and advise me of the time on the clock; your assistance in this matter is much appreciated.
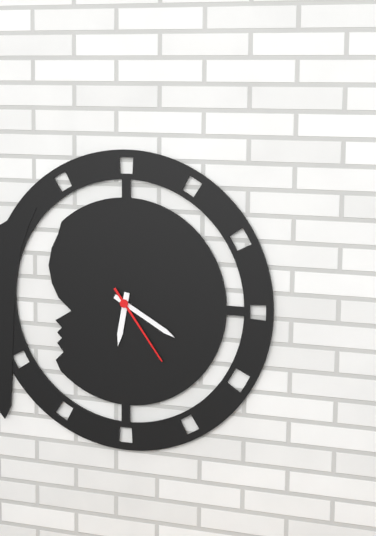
6:20:24
